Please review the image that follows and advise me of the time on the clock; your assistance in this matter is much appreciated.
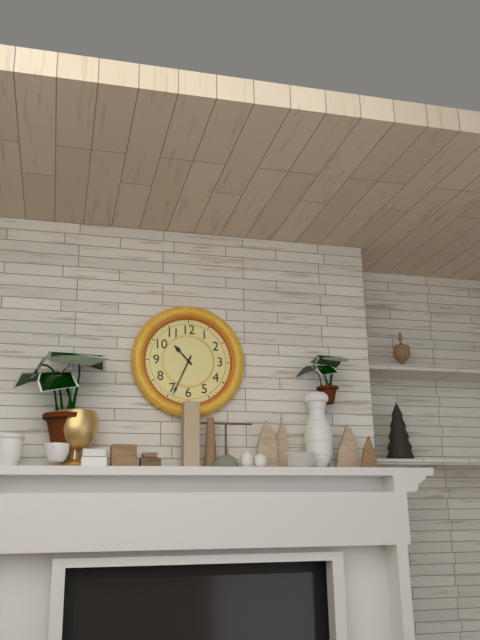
10:34
